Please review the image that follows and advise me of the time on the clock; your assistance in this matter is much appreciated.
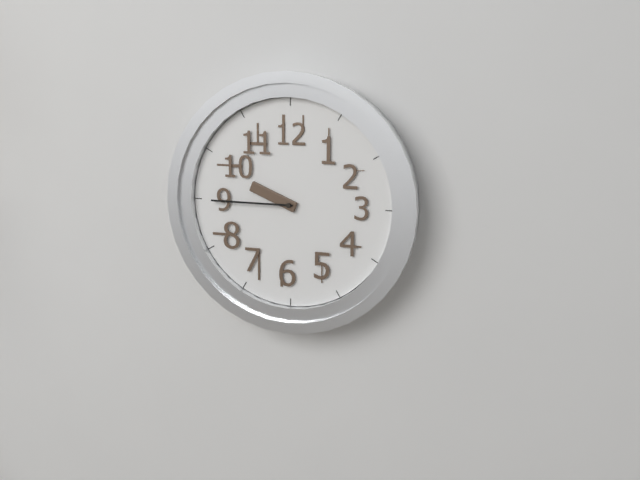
9:45
